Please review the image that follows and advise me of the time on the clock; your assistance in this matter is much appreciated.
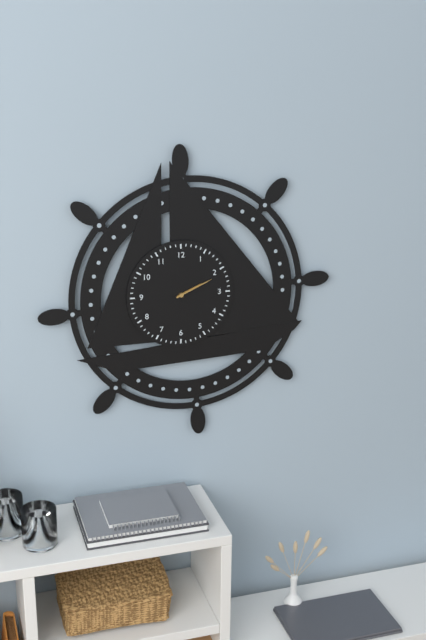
2:11
